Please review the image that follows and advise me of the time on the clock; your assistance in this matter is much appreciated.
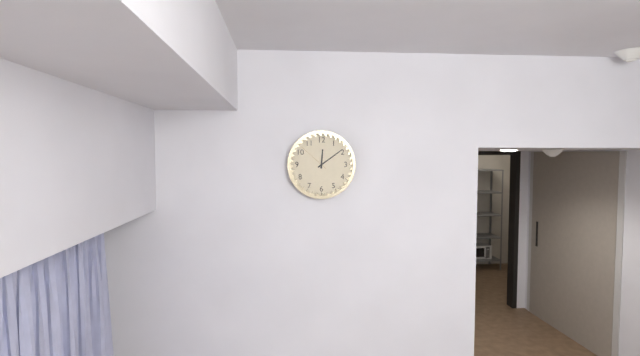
12:09
